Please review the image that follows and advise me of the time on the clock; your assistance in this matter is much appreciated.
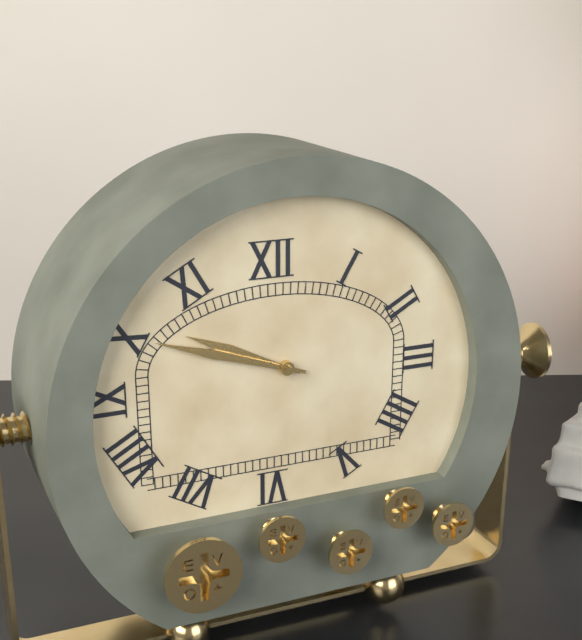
9:48
